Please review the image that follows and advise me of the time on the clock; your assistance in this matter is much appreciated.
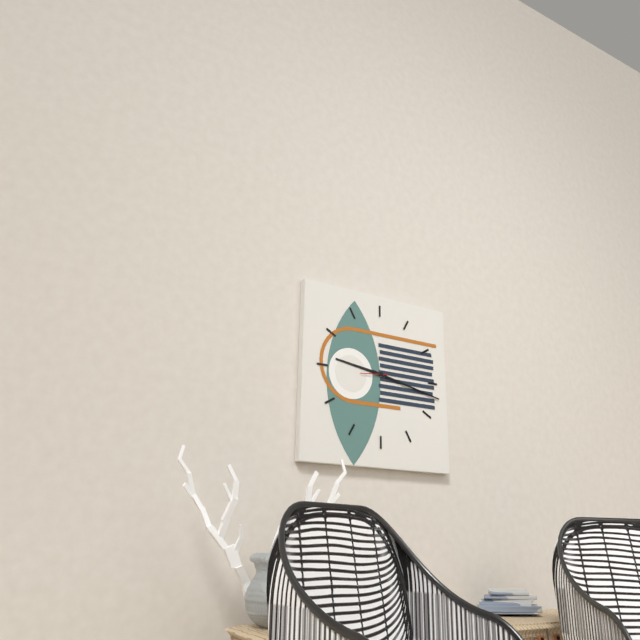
9:17
